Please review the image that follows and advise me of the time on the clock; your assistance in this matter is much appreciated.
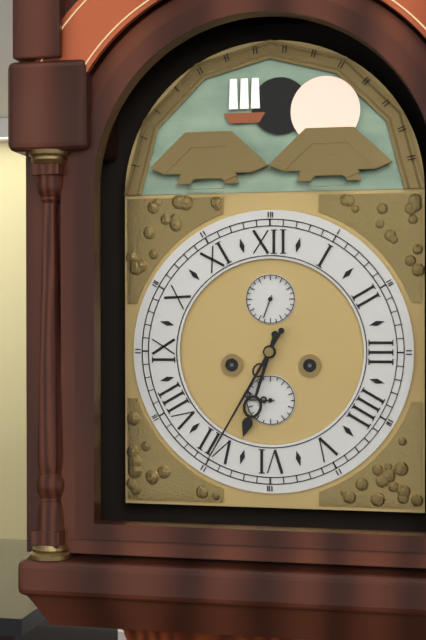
6:35
